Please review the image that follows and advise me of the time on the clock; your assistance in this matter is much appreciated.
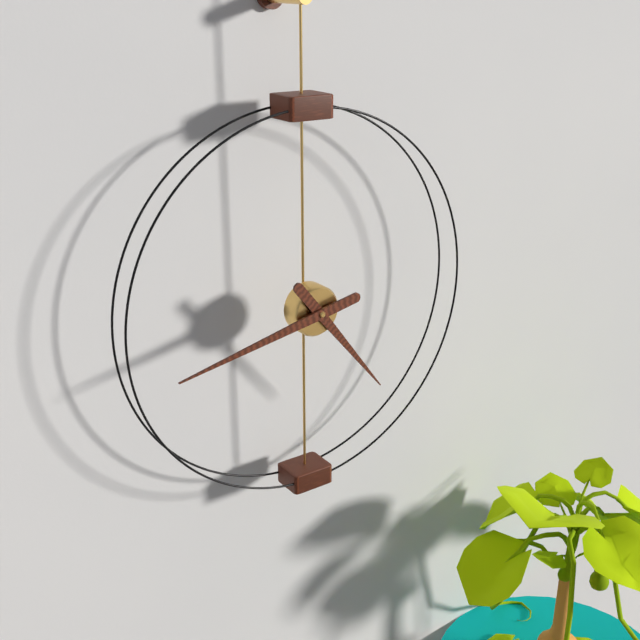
4:43
